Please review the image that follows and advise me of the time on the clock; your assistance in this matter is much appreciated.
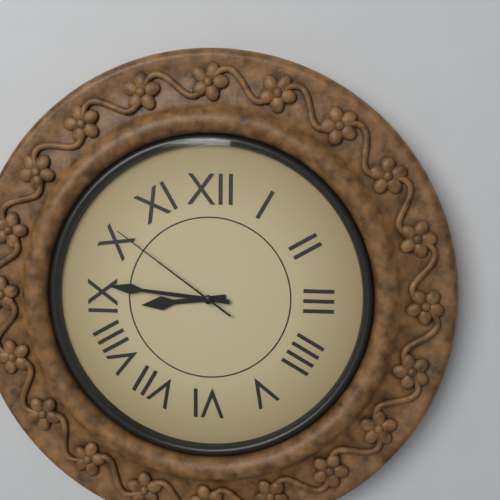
8:46:51
